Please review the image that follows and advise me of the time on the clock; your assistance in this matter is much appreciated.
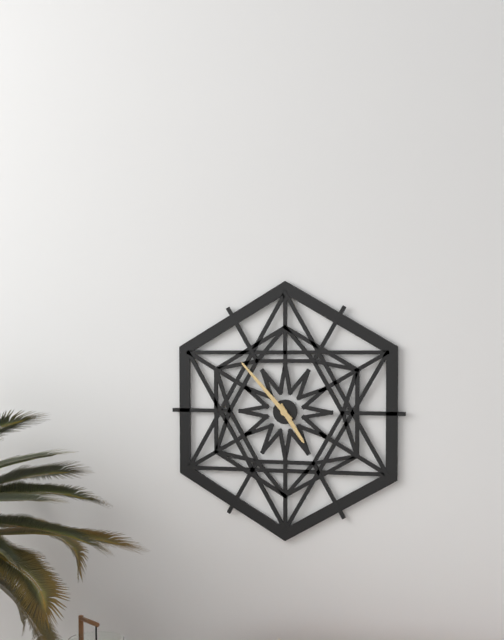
4:53
